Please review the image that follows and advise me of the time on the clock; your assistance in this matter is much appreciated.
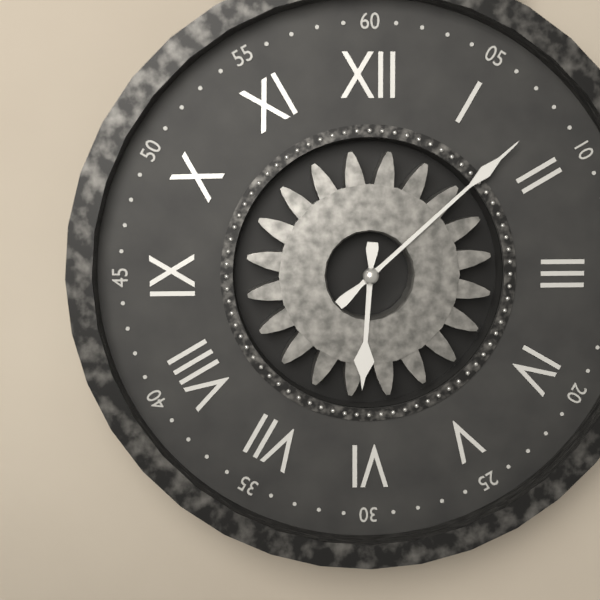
6:08
